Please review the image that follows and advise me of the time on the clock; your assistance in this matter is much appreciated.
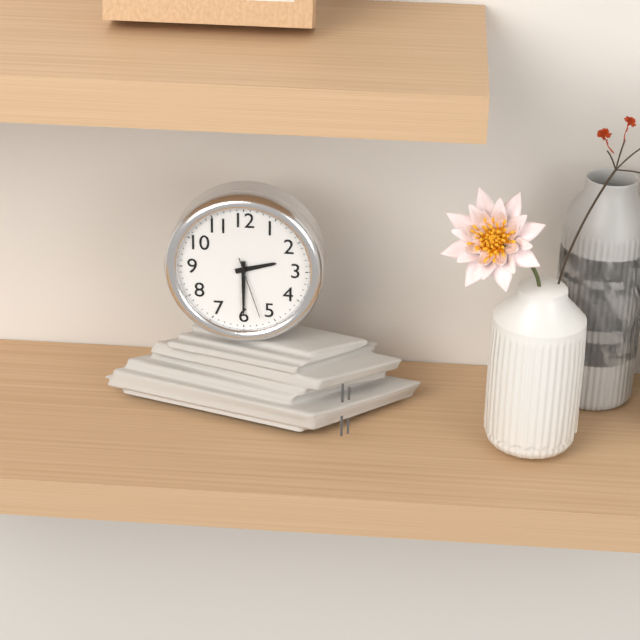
2:30:27
